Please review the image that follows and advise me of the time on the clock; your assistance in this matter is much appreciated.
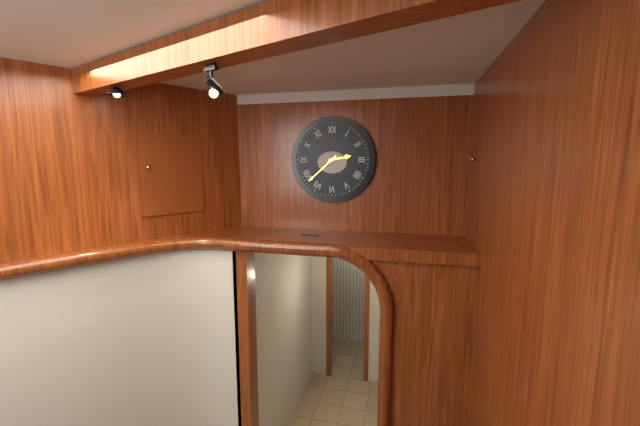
2:38
